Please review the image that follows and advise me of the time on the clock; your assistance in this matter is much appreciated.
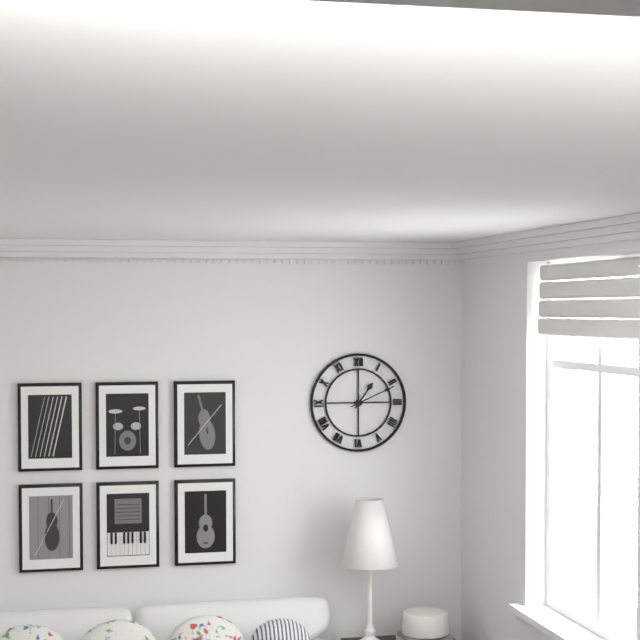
1:11
